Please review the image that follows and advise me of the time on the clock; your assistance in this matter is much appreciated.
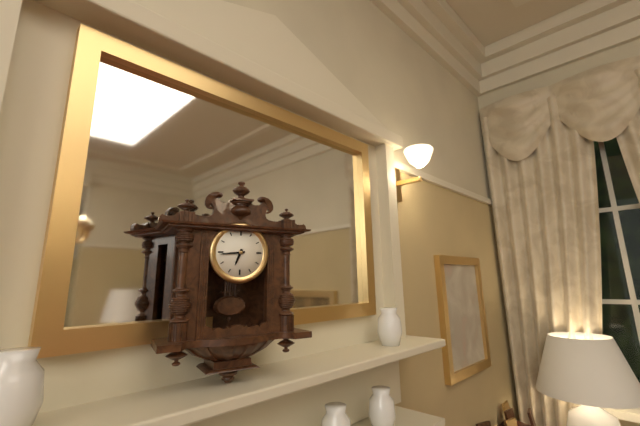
6:44
